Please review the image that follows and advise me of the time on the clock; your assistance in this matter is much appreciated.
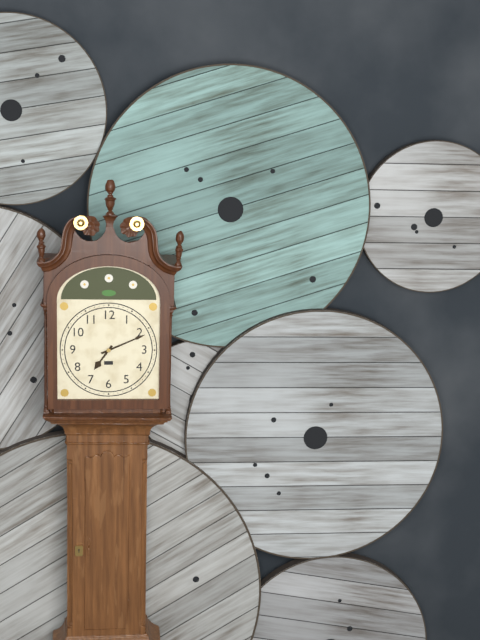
7:11
